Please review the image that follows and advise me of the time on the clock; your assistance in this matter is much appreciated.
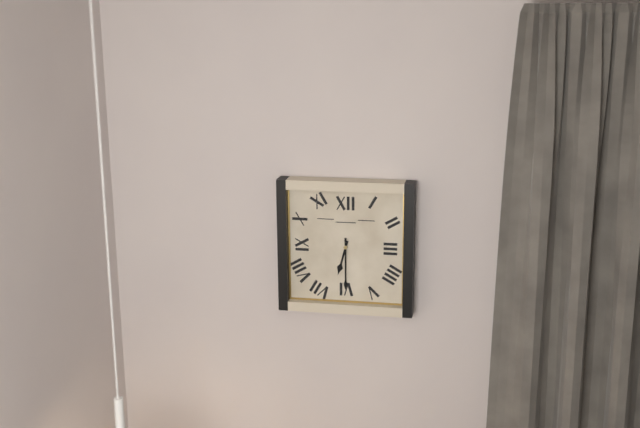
6:30
